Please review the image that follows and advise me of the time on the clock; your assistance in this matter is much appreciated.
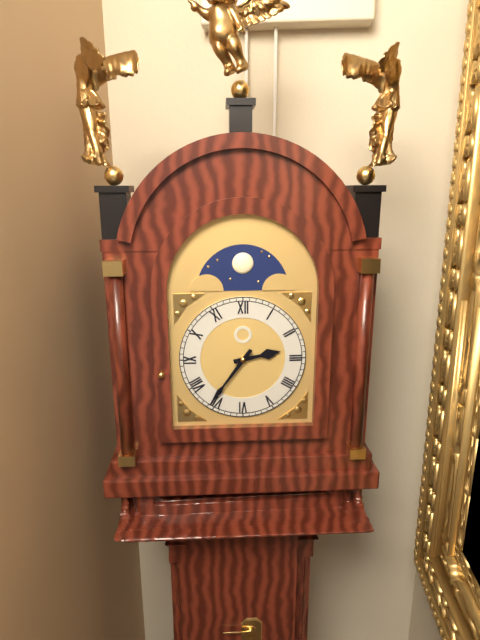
2:36
